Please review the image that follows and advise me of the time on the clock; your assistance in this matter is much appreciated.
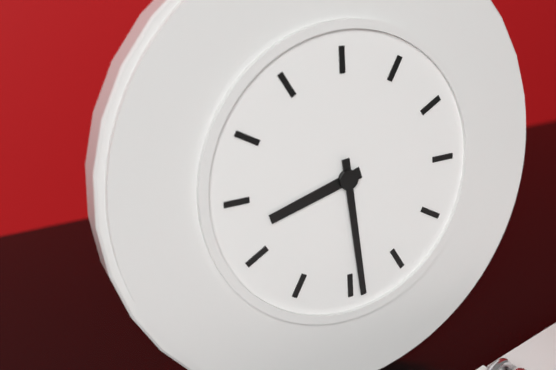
8:29
